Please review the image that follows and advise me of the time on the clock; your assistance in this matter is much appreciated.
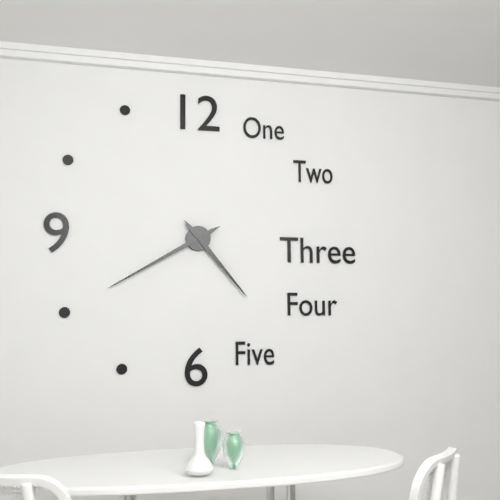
4:40
